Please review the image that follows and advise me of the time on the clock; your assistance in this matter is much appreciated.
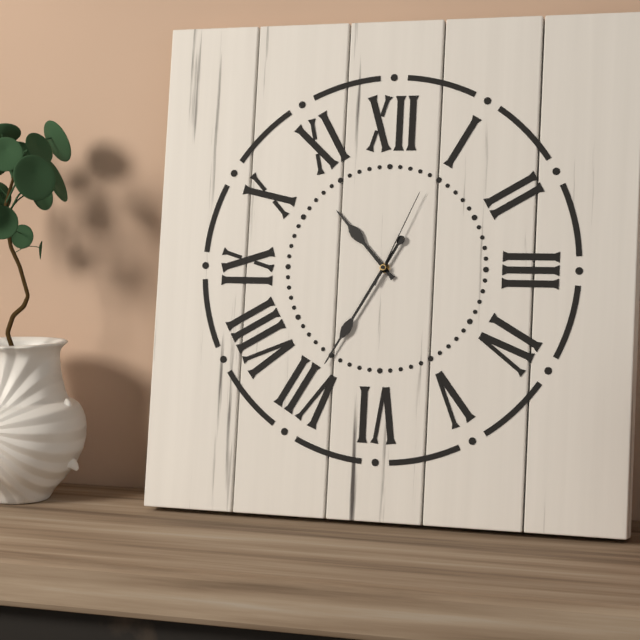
10:35:04
